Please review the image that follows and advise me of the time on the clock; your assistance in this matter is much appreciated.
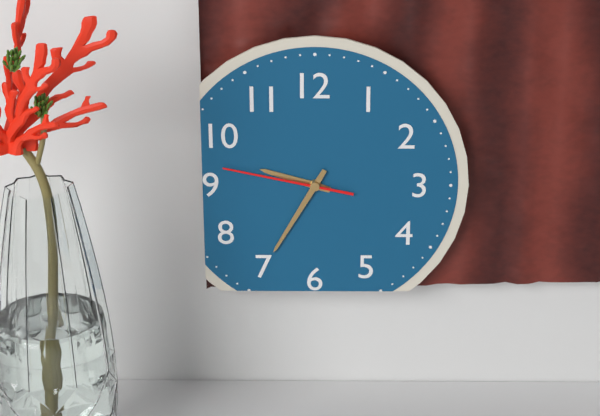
9:35:47
